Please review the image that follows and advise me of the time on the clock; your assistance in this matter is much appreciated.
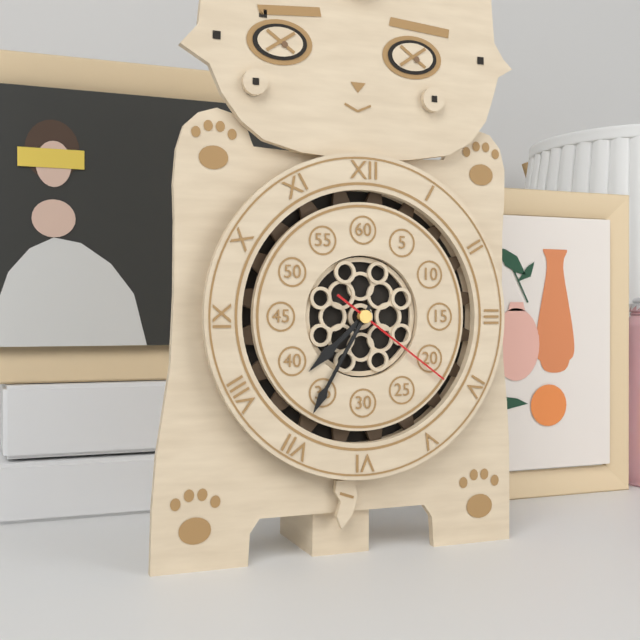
7:35:21
